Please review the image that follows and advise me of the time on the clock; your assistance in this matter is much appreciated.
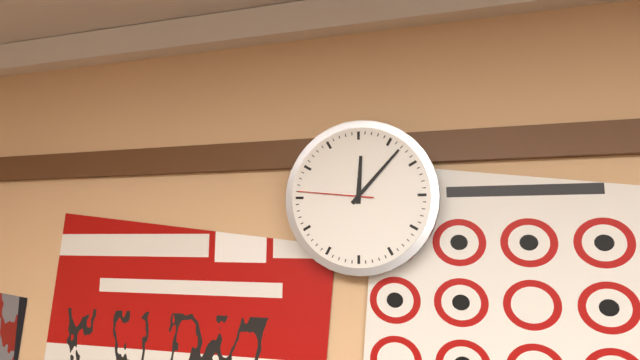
12:07:46
